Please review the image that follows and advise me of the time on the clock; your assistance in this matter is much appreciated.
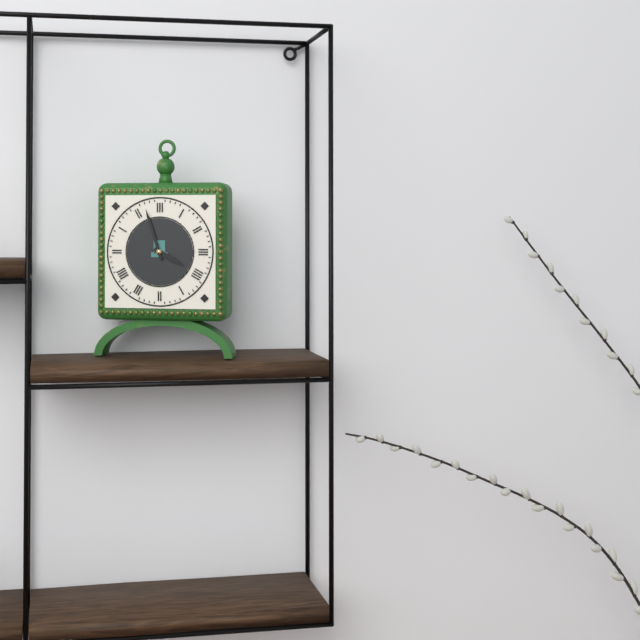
3:57
